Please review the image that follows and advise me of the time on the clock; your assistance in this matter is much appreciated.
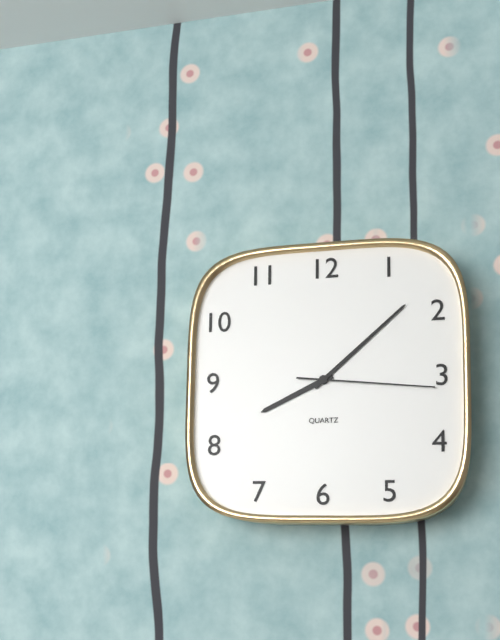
8:08:16
